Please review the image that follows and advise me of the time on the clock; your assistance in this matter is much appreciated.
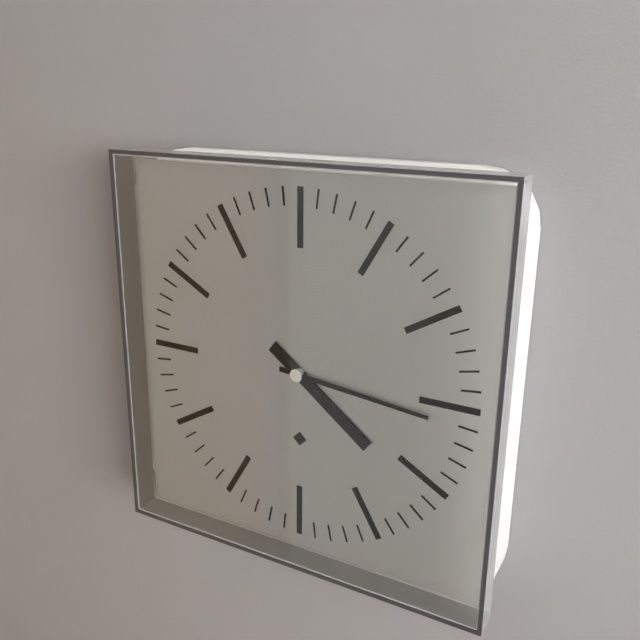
4:16
